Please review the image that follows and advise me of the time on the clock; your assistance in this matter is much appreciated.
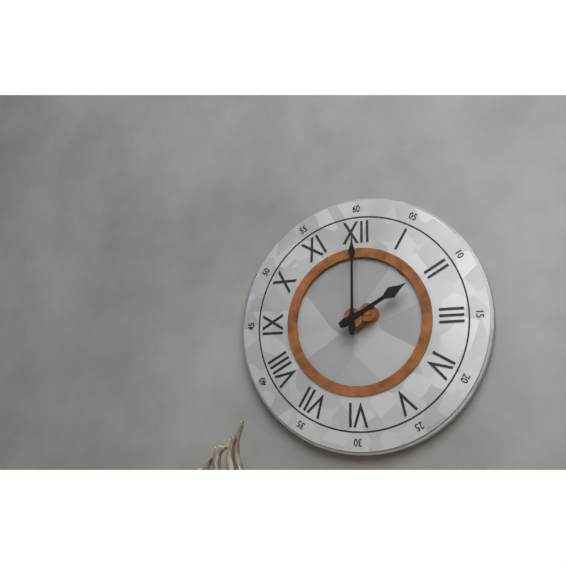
2:00
